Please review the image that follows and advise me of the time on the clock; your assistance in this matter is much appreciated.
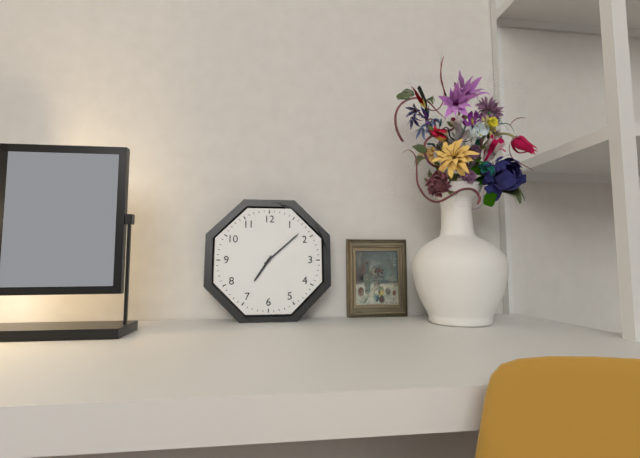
7:08
